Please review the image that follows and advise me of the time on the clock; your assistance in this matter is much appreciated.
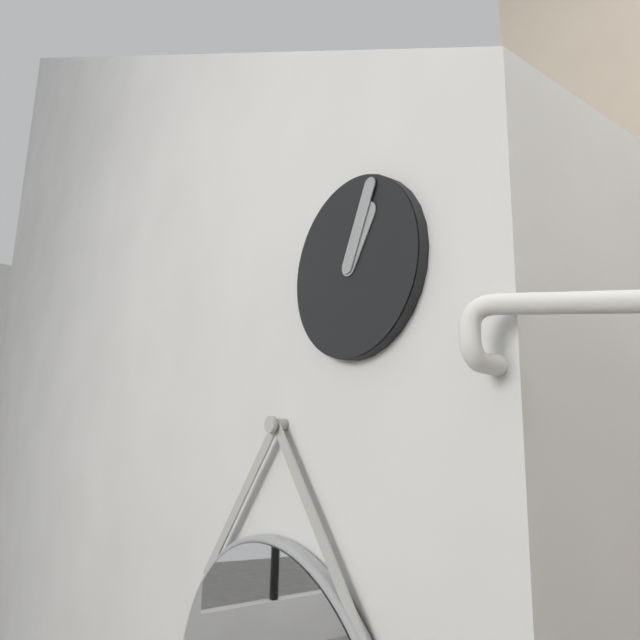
1:04
